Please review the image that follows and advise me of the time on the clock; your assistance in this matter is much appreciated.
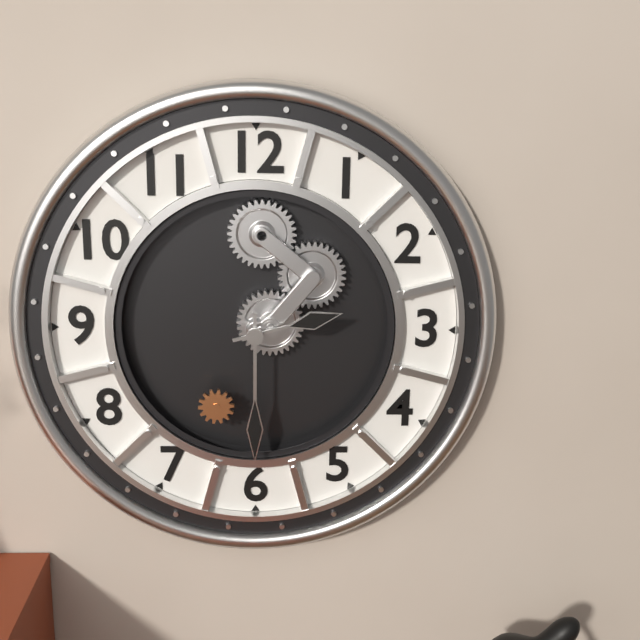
2:30
